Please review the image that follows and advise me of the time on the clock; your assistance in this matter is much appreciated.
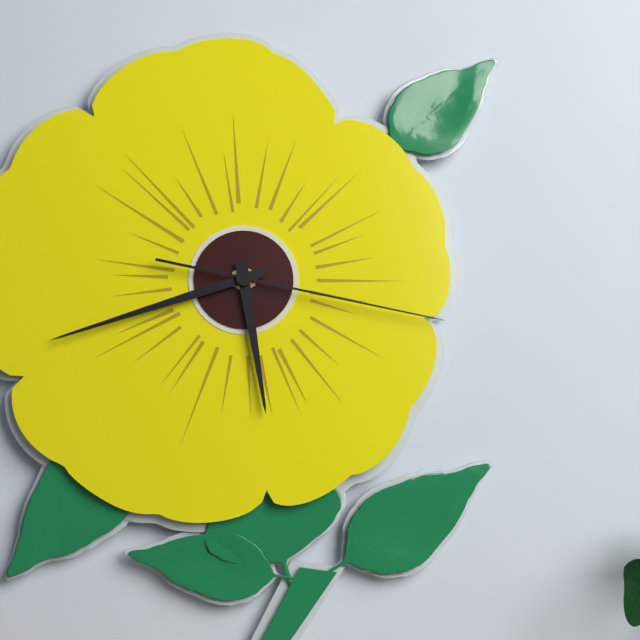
5:42:17
